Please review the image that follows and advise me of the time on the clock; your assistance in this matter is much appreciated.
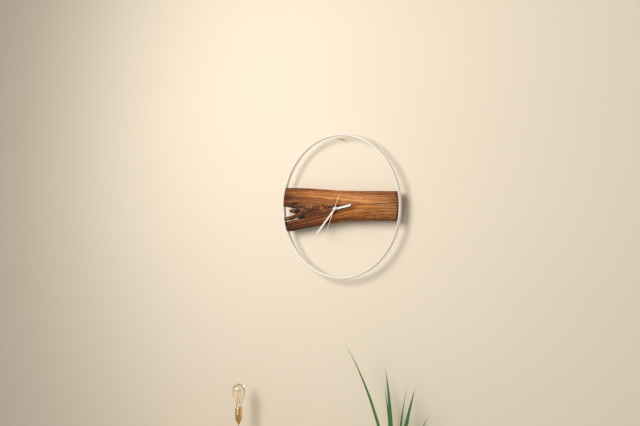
2:37
